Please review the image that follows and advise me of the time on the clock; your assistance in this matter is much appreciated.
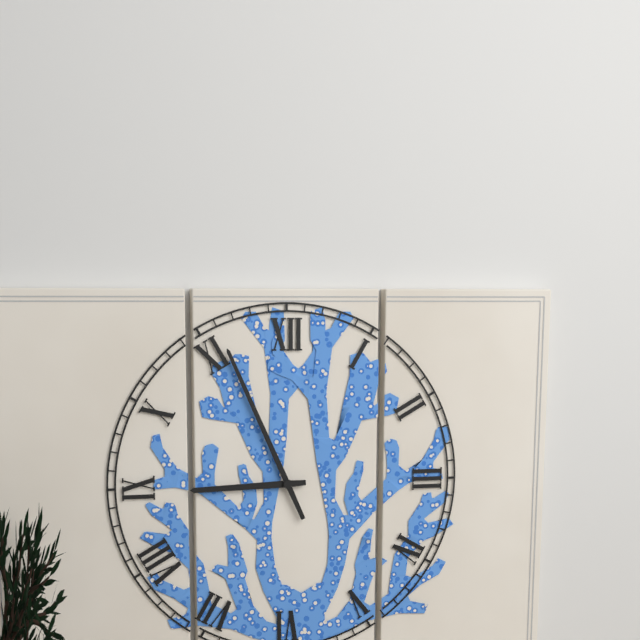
8:56
